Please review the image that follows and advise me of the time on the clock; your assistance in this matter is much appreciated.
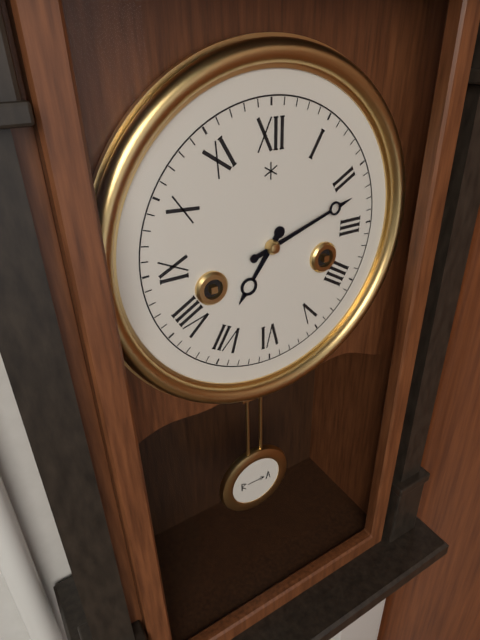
7:12
